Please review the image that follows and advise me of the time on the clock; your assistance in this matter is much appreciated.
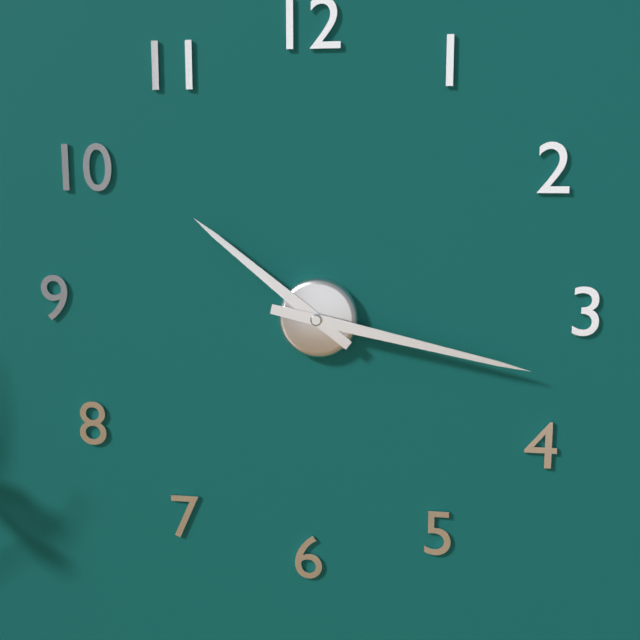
10:17
